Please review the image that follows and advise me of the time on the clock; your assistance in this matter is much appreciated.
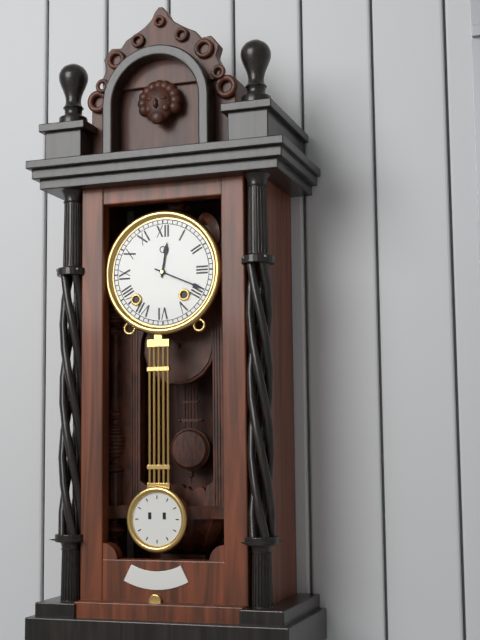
12:19
